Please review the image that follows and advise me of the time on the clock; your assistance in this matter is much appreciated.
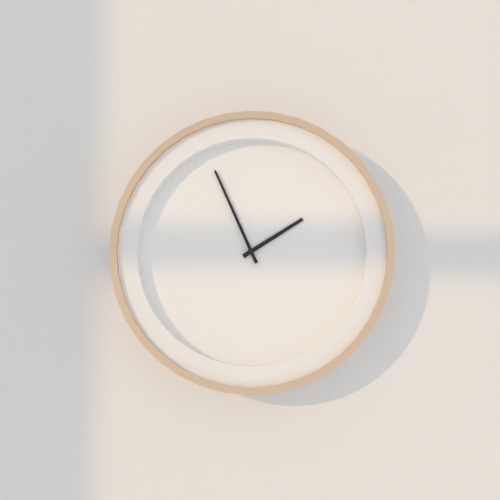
1:56
